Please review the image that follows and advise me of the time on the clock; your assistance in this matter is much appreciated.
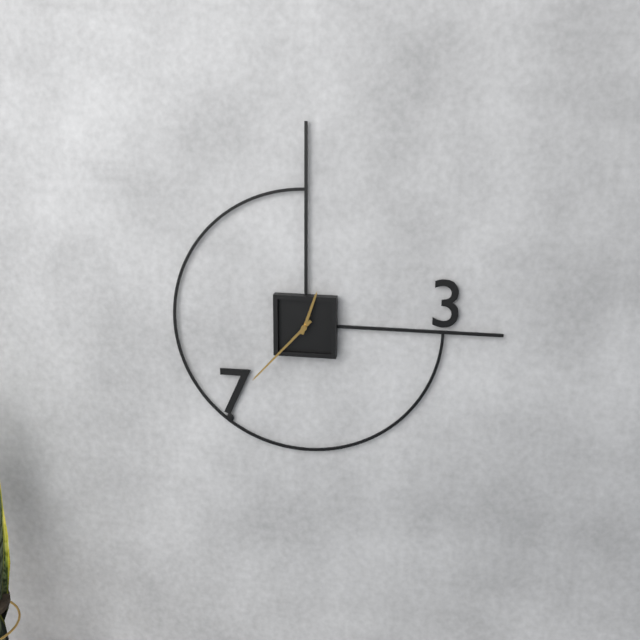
12:37
